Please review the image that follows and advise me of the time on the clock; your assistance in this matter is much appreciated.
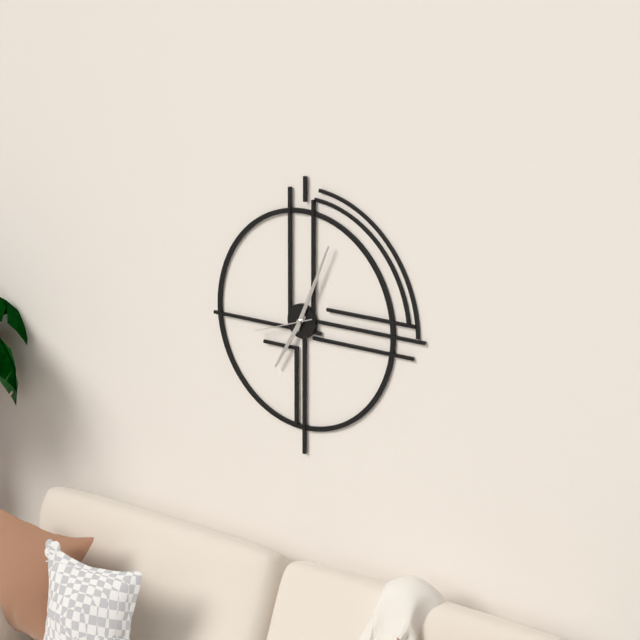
7:04:42
